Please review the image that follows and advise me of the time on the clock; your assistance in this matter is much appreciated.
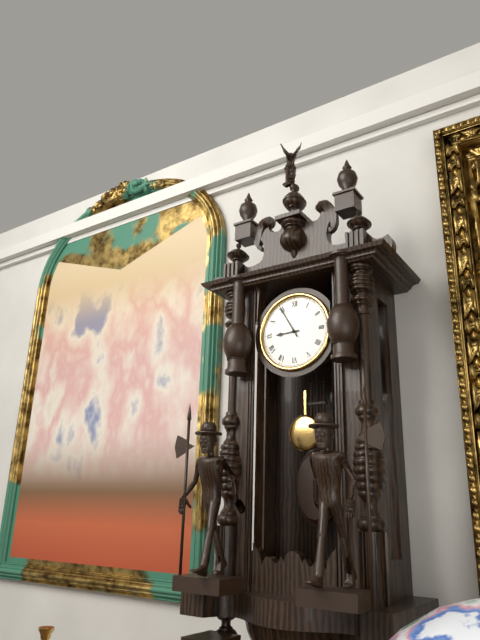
8:55
